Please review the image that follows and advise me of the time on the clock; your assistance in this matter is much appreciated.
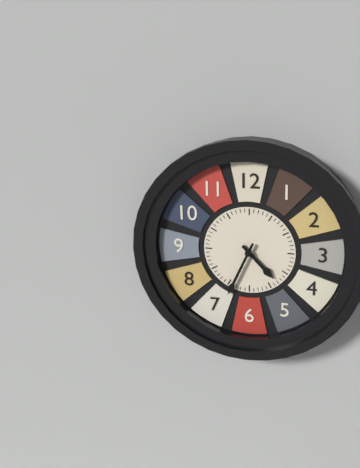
4:34
